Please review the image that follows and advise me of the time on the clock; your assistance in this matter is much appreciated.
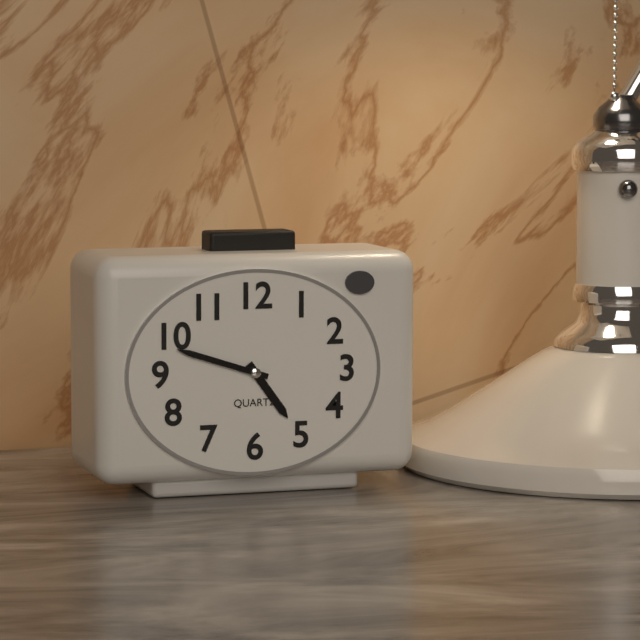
4:48
